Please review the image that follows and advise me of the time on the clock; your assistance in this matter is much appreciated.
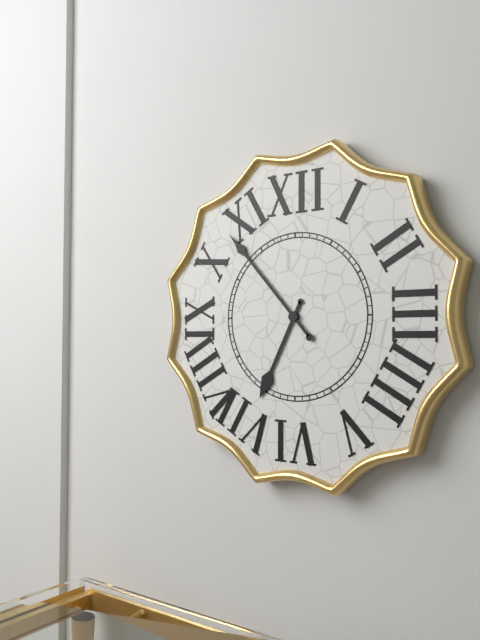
6:53
